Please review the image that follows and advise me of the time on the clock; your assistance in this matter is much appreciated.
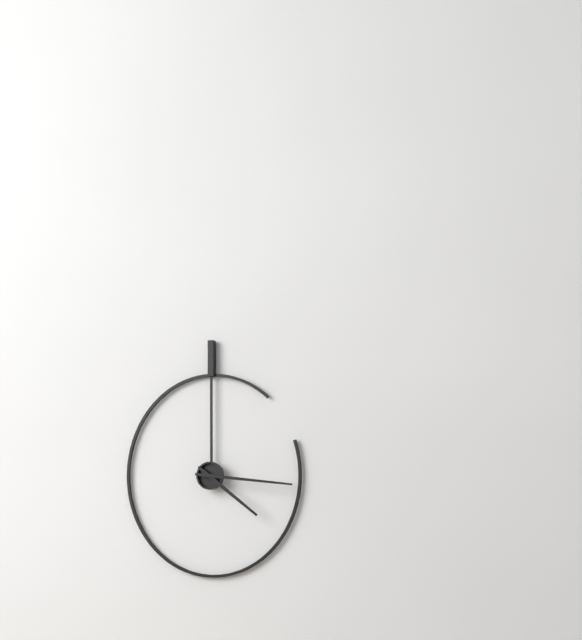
4:16
